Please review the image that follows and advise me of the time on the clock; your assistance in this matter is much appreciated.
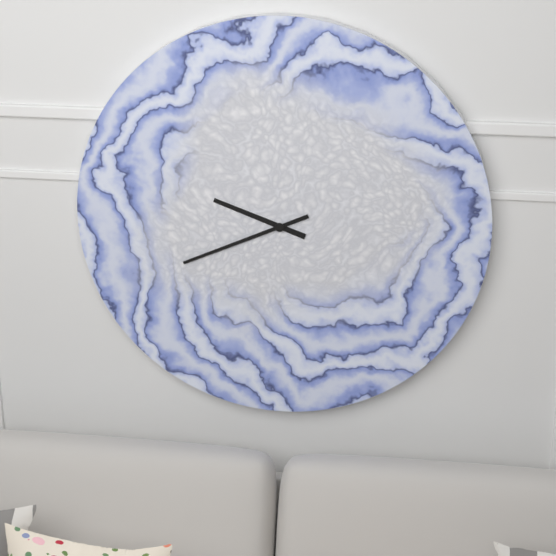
9:41
